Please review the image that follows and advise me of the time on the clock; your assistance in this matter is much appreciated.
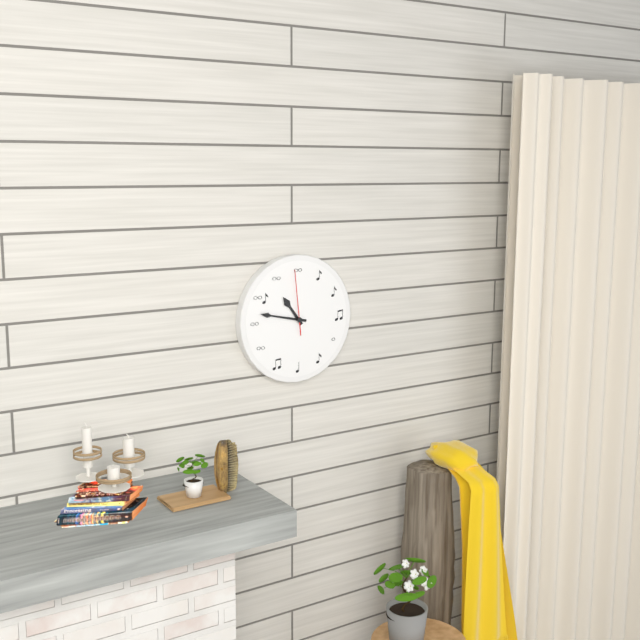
10:47:59
